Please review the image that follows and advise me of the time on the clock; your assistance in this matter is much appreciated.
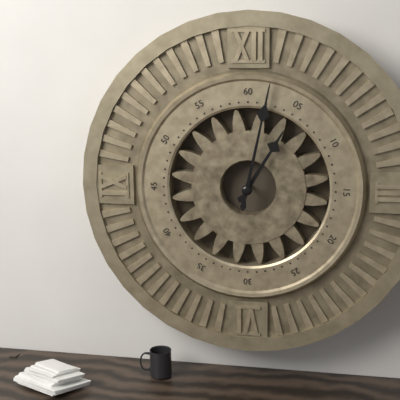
1:02
